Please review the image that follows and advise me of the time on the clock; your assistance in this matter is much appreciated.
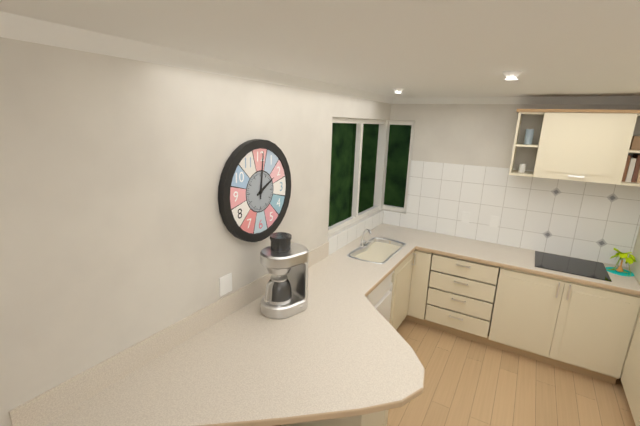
2:01
